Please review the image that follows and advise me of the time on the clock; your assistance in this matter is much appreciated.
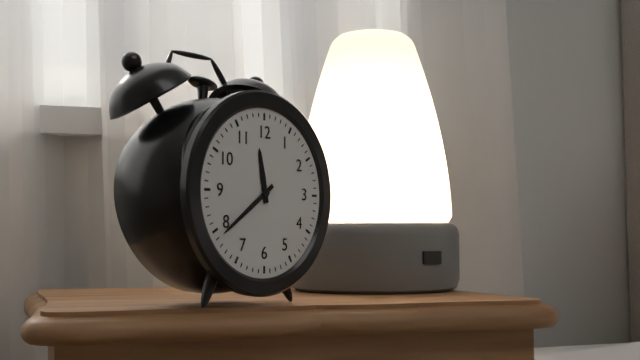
11:39
